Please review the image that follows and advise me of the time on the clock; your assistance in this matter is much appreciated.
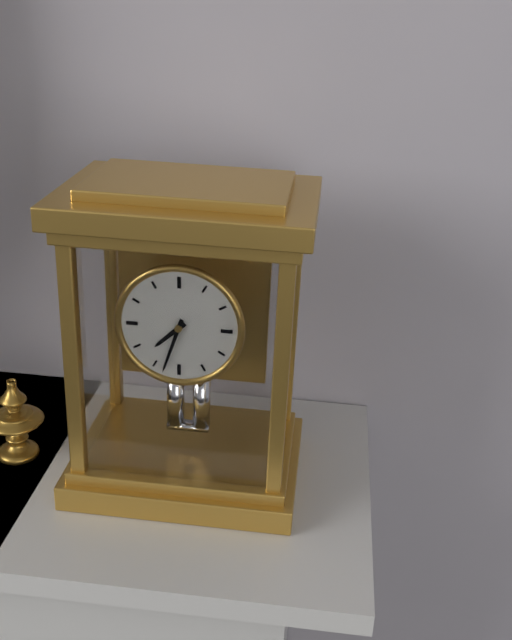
7:33
